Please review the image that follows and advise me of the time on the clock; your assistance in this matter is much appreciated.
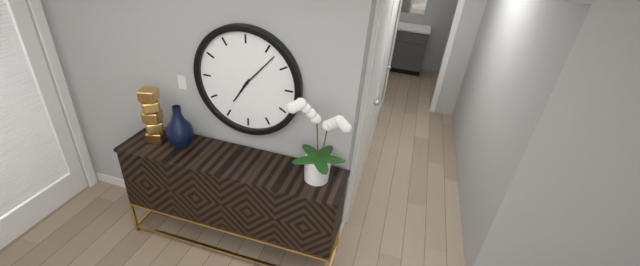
7:07
